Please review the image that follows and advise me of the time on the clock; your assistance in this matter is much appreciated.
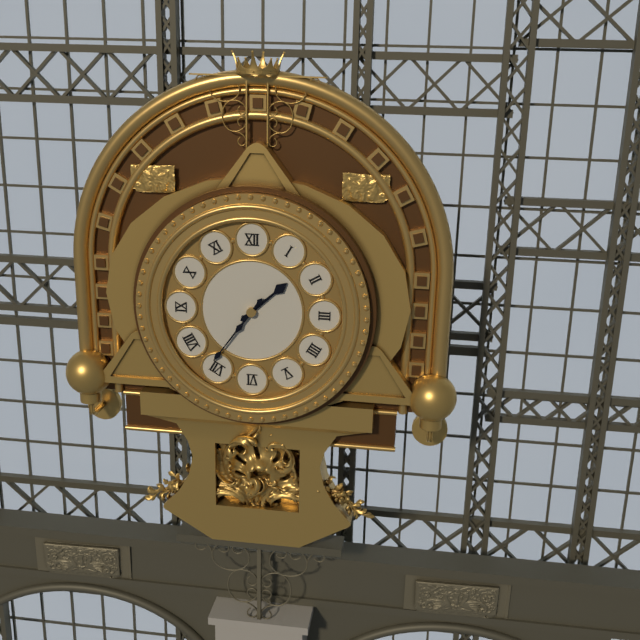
1:36
